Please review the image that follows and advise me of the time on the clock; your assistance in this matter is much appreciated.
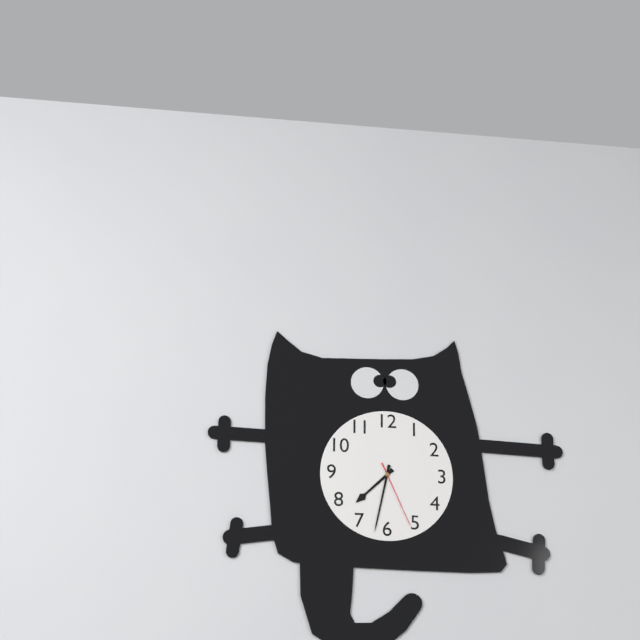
7:32:26
